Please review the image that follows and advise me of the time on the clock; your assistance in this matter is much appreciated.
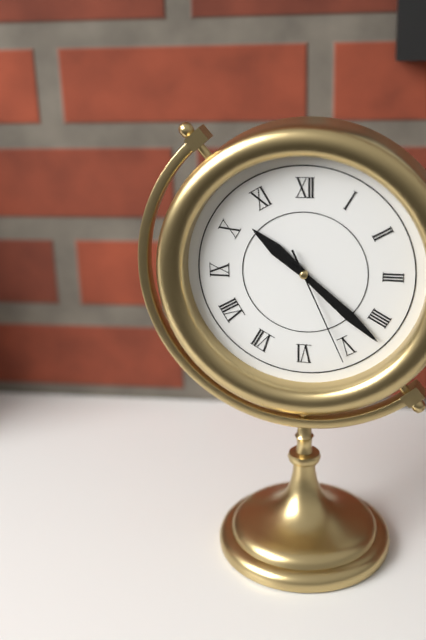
10:22:26
